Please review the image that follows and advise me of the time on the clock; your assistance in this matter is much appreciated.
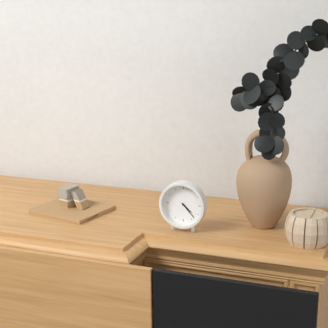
4:23
